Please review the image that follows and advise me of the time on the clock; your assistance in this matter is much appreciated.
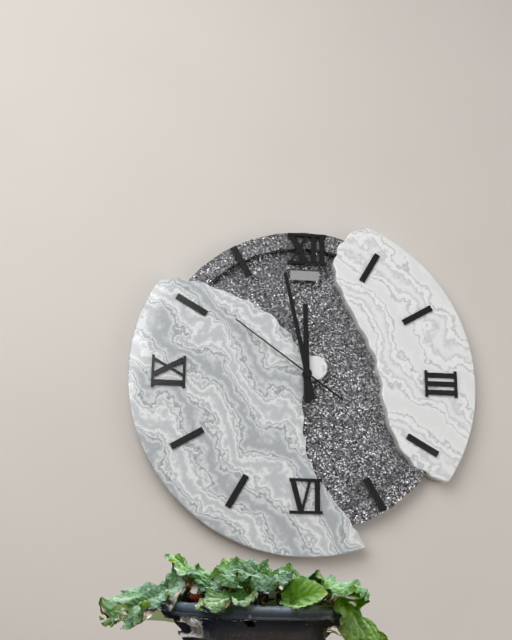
11:58:51
